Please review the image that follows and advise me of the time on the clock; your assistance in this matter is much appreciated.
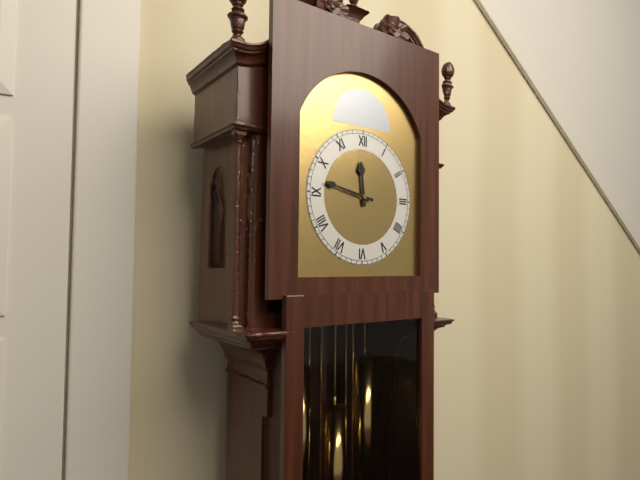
11:47
